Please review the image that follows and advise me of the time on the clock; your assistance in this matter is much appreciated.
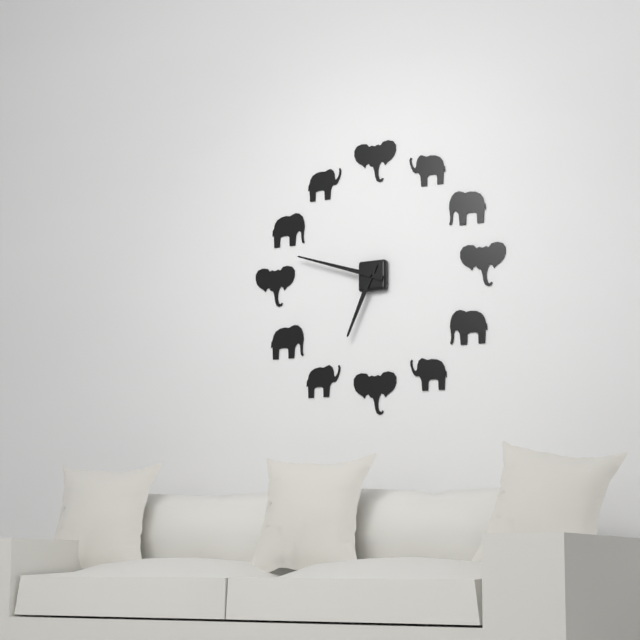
6:48
